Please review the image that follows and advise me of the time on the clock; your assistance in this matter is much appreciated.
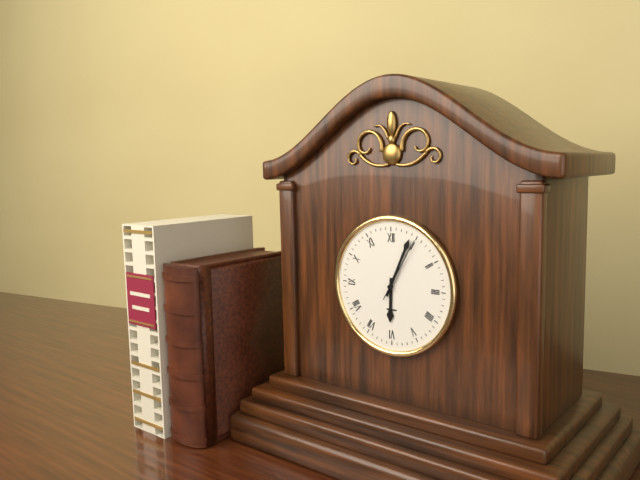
6:04:05
